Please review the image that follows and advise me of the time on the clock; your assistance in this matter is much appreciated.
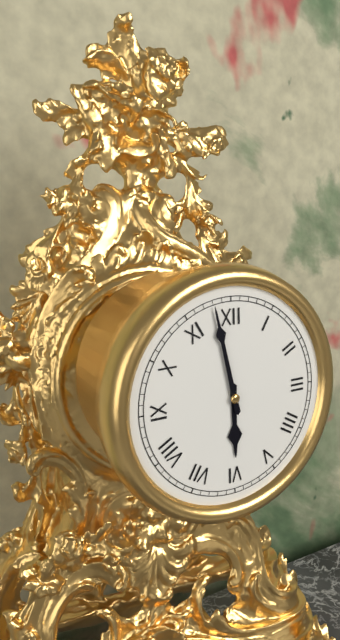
5:58
